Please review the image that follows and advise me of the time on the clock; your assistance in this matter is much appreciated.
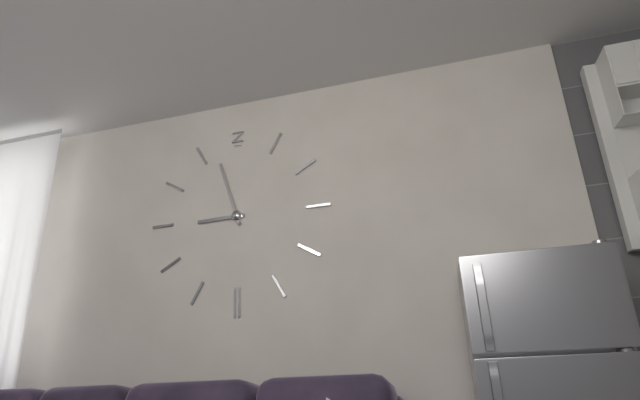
8:57
